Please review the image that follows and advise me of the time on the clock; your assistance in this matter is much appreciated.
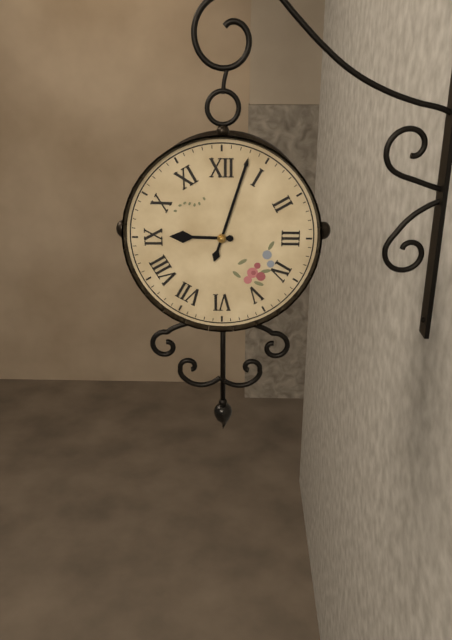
9:03
